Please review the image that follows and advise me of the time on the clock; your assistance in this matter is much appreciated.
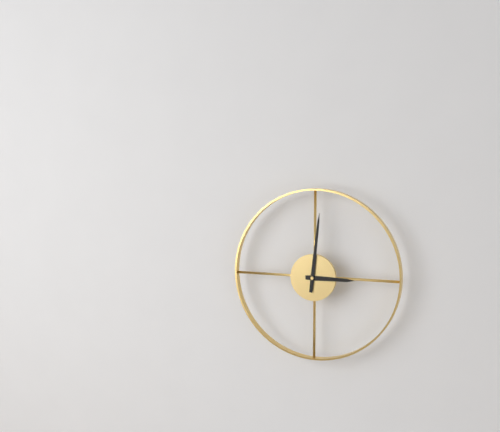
3:01
